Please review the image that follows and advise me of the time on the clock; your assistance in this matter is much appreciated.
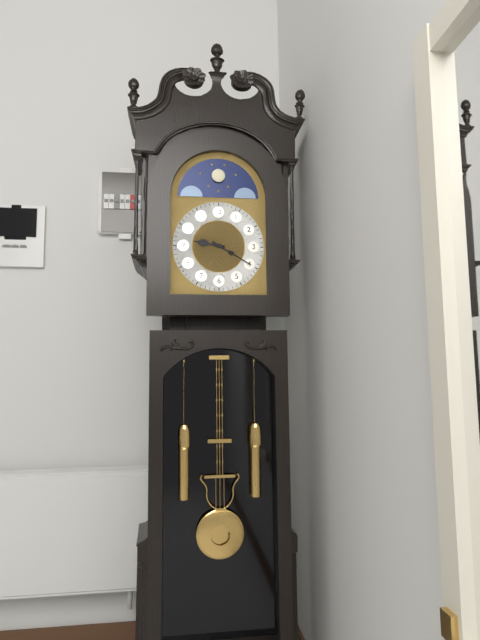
9:20
